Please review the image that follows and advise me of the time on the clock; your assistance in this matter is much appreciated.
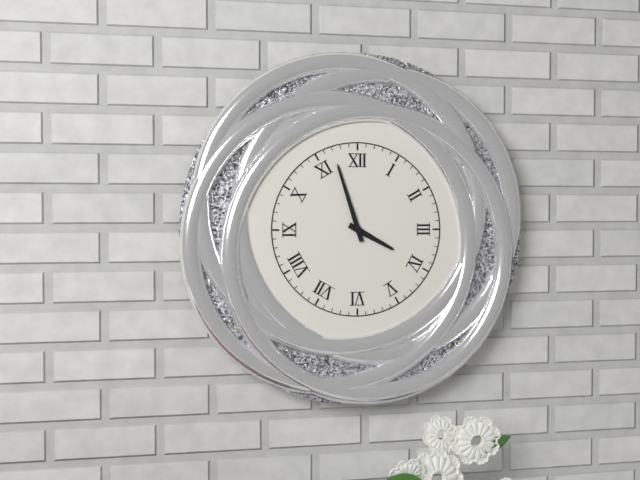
3:57
